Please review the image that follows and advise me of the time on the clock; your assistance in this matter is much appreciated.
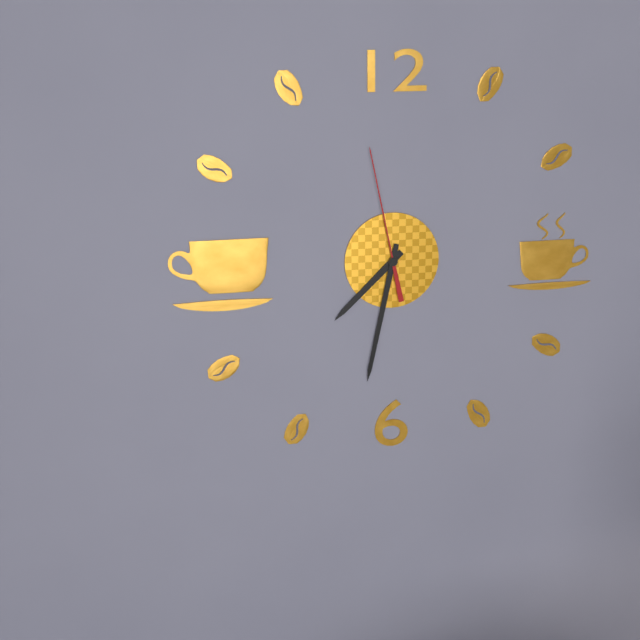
7:32:58
